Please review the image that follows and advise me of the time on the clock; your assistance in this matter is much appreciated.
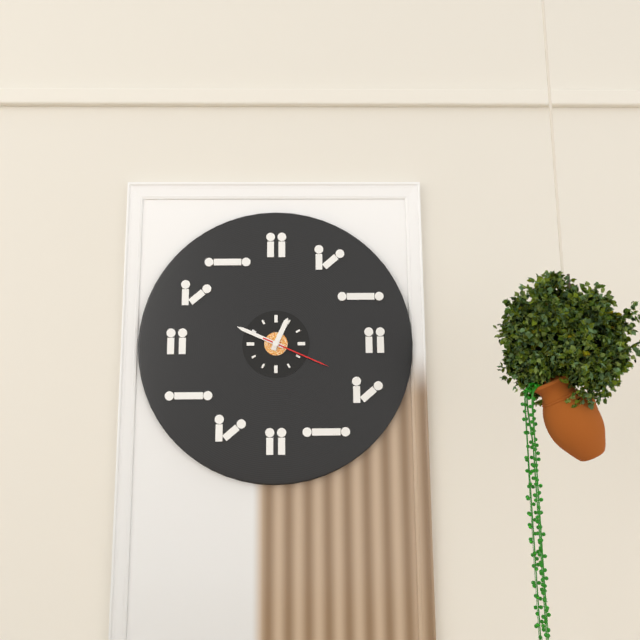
12:49:19
